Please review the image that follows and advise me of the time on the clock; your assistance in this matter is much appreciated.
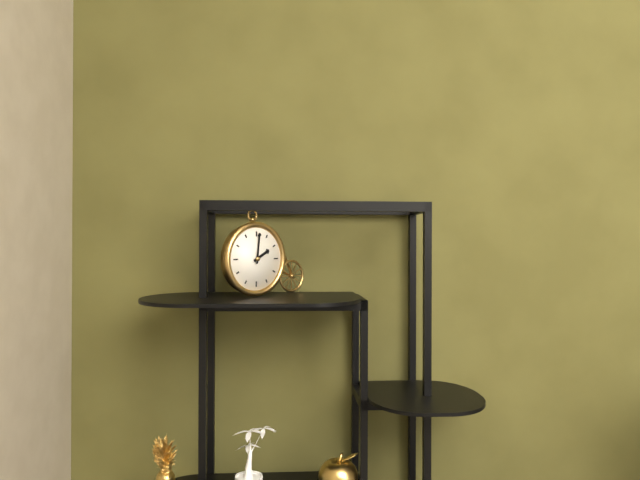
2:01
